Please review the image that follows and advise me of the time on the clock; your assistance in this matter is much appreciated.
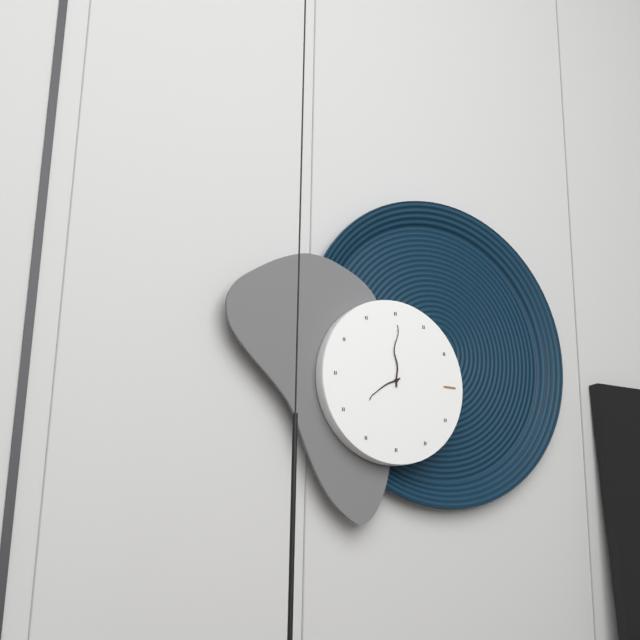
8:00
